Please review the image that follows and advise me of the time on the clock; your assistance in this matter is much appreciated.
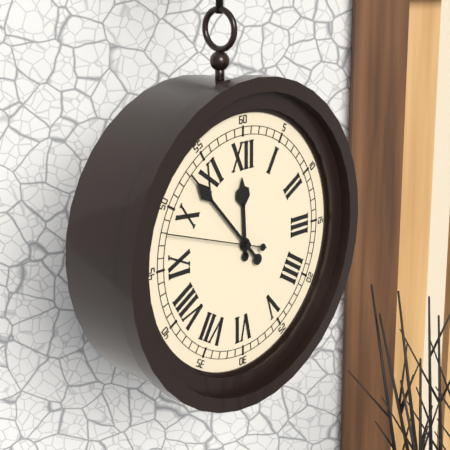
11:53:48
